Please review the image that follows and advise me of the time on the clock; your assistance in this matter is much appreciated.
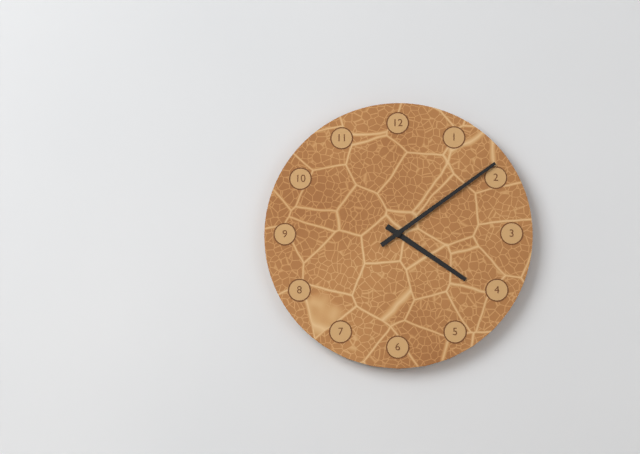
4:09
